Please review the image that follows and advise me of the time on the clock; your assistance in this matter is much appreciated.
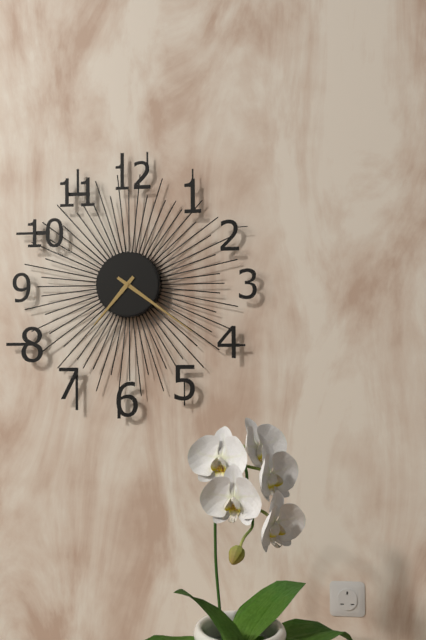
7:21
